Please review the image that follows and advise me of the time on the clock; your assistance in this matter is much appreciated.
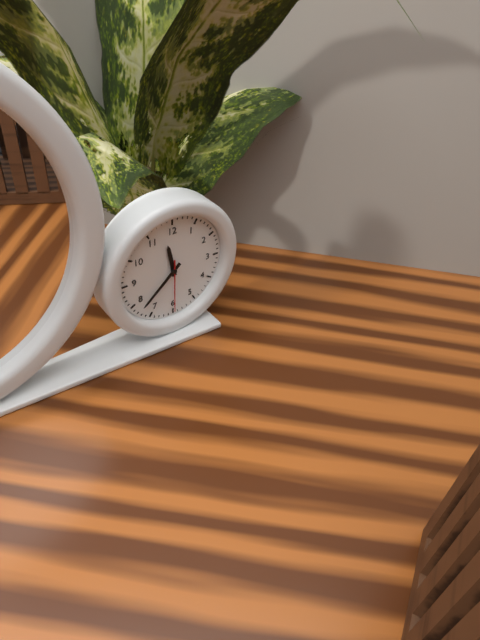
11:38:30
